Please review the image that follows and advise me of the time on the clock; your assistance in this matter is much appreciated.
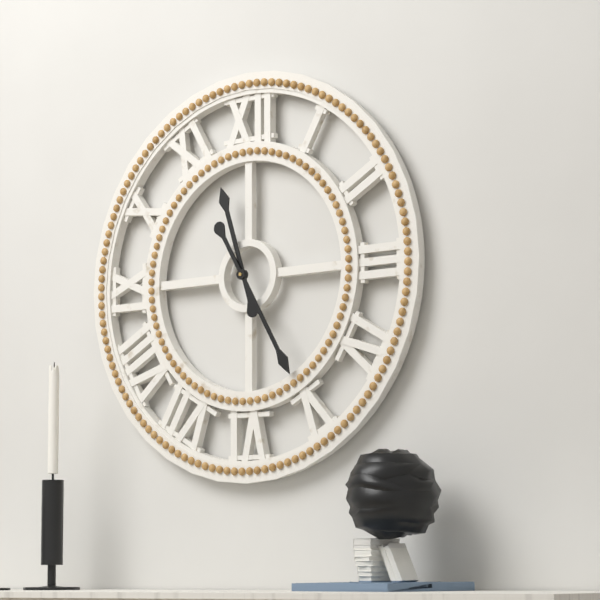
11:25
